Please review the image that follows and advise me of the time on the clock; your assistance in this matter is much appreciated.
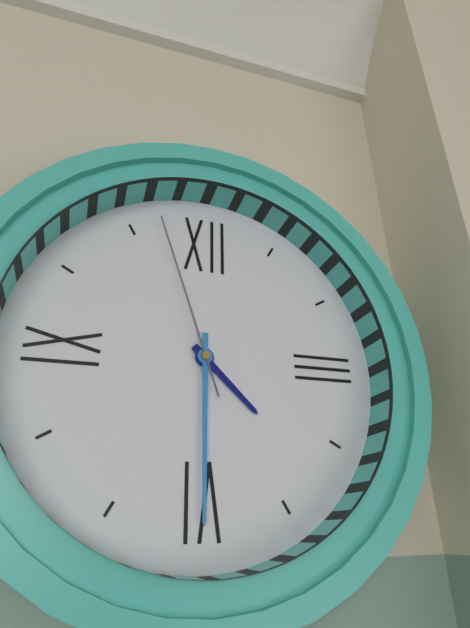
4:30:57
